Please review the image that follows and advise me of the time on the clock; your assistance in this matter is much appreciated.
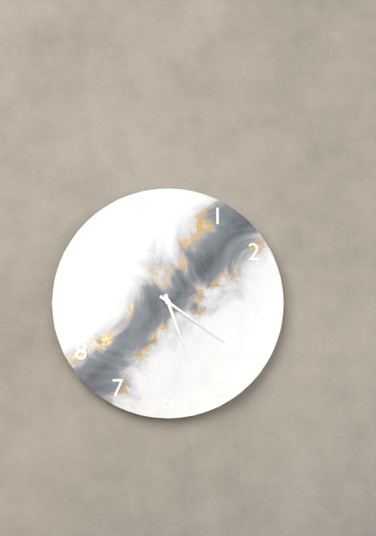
5:21
